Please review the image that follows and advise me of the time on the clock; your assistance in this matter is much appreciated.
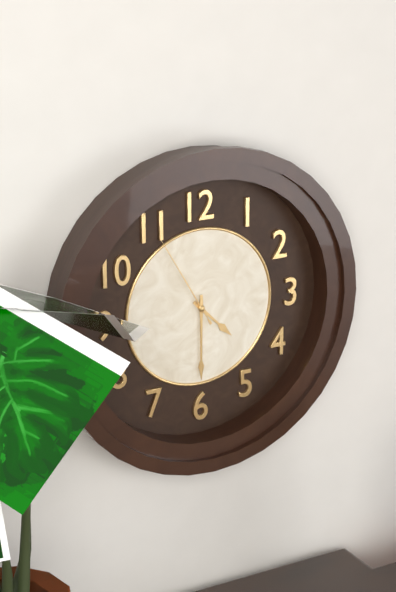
4:30:55
